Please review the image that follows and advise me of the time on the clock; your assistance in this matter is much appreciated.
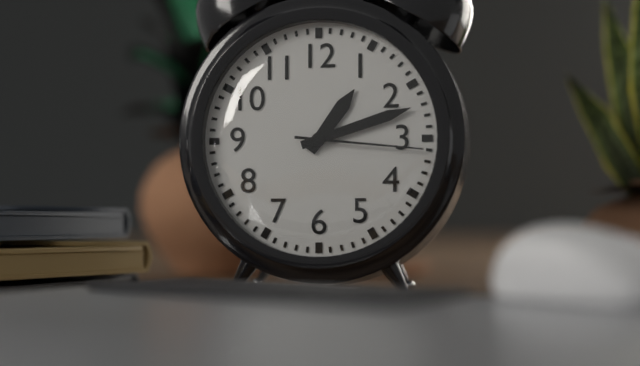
1:12:16
